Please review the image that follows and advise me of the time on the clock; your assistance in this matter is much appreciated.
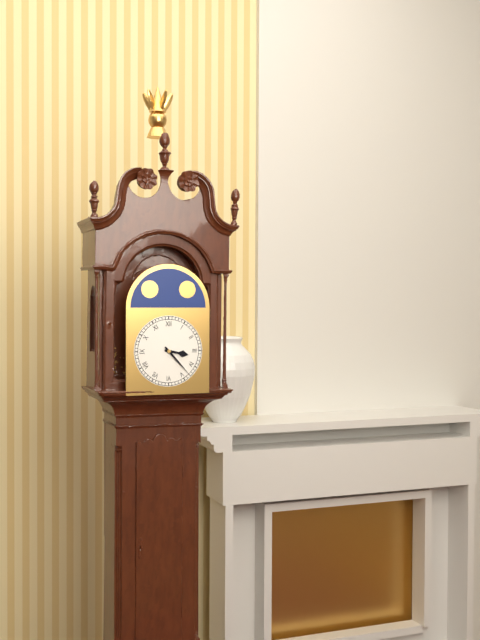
3:23
